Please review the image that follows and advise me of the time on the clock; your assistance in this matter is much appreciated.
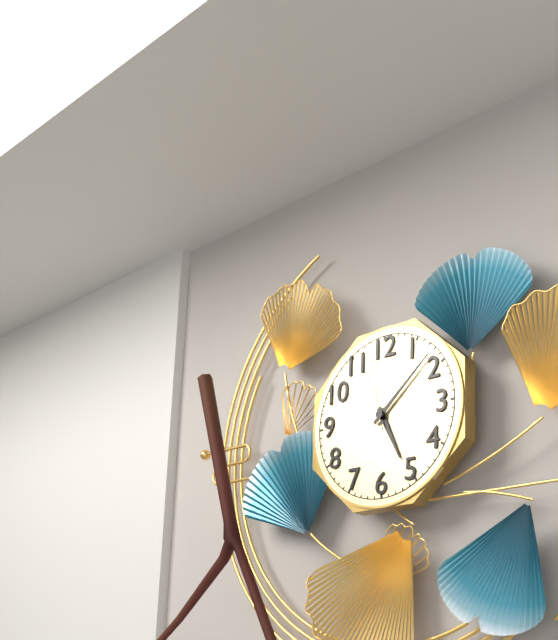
5:08:58
